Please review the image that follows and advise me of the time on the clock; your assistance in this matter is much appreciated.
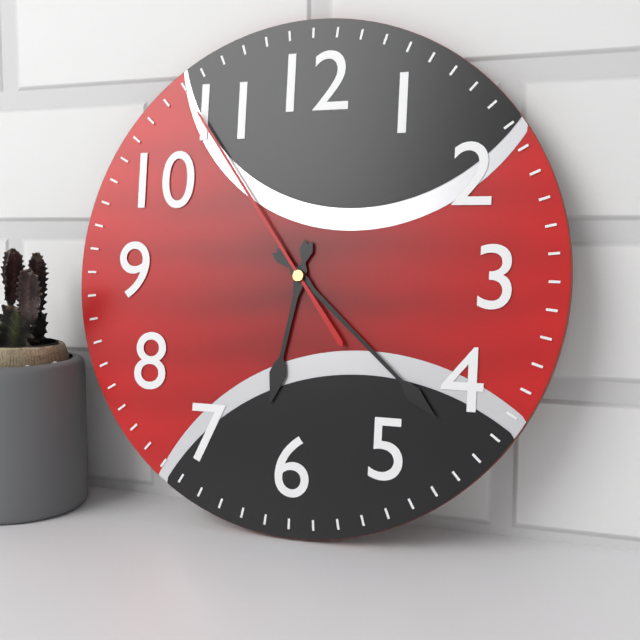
6:22:54
